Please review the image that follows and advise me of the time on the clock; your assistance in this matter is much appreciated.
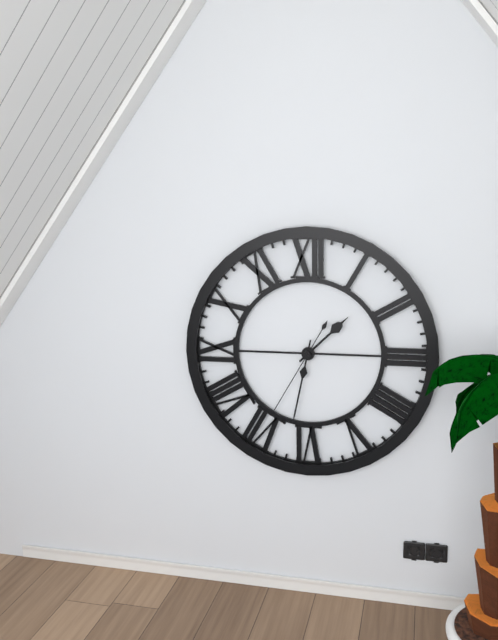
1:32:35
